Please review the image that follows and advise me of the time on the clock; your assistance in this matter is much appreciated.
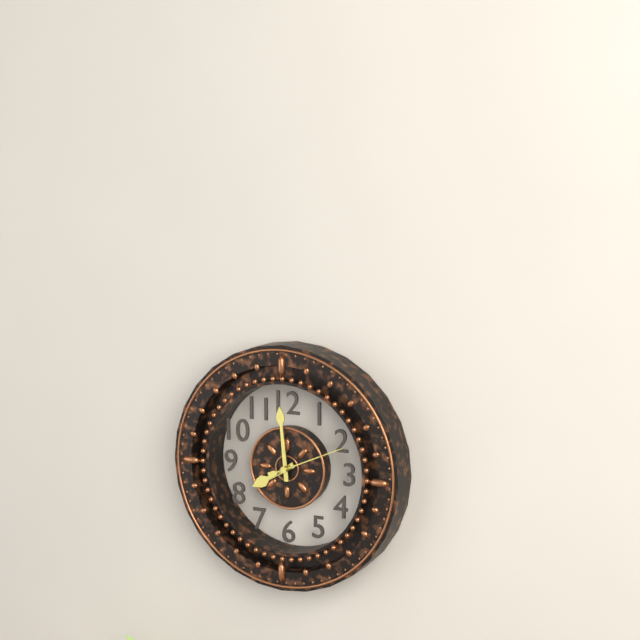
7:59:11
